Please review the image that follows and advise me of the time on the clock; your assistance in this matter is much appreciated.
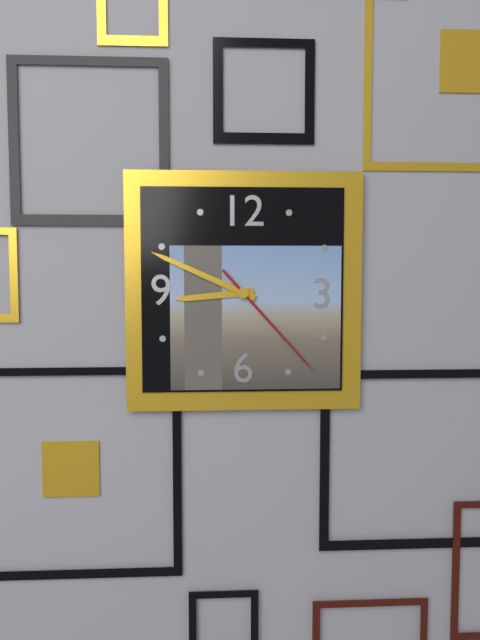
8:49:23
